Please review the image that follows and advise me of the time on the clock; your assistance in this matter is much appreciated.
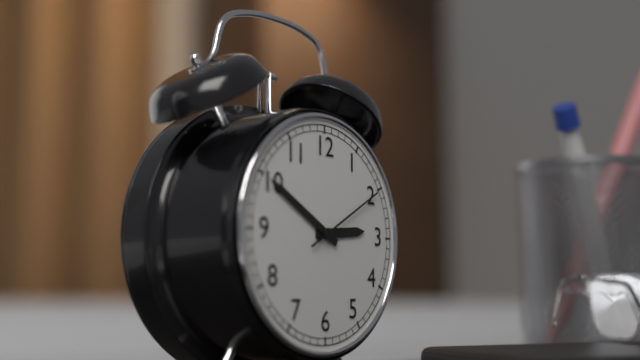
2:50:10
